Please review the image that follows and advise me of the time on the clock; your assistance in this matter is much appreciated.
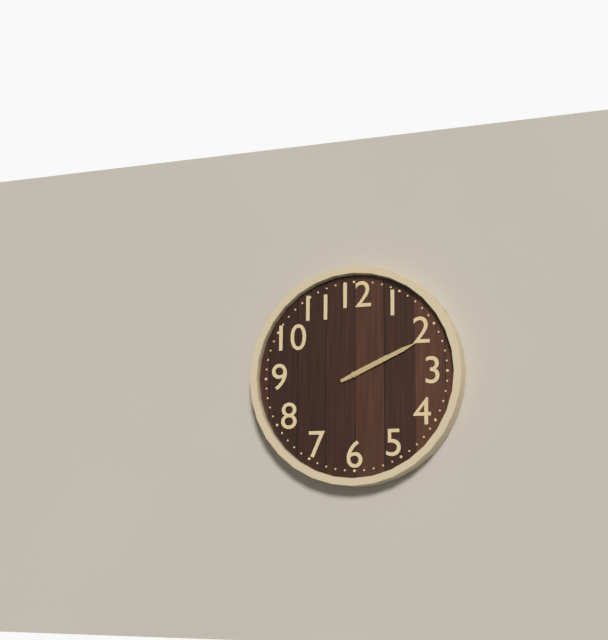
2:11
